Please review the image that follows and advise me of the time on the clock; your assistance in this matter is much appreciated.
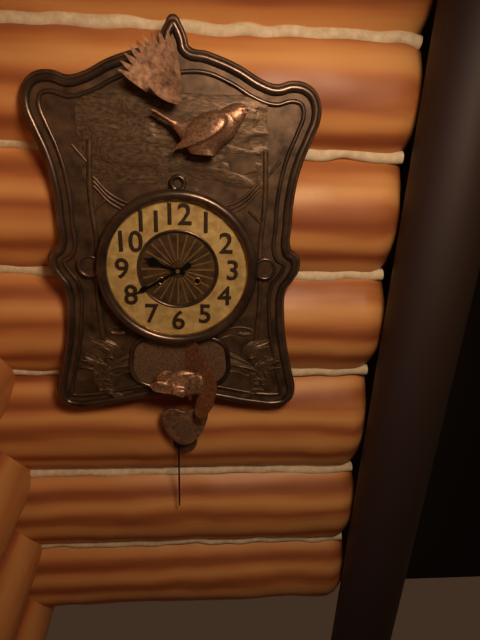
9:40
